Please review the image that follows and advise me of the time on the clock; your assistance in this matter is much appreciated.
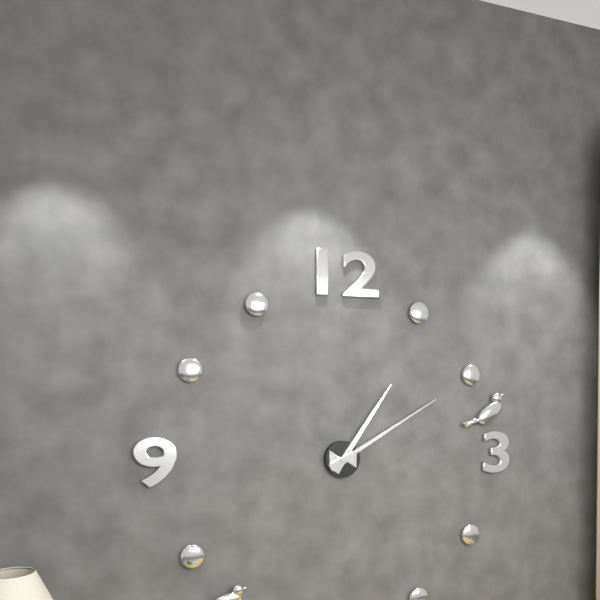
1:10
